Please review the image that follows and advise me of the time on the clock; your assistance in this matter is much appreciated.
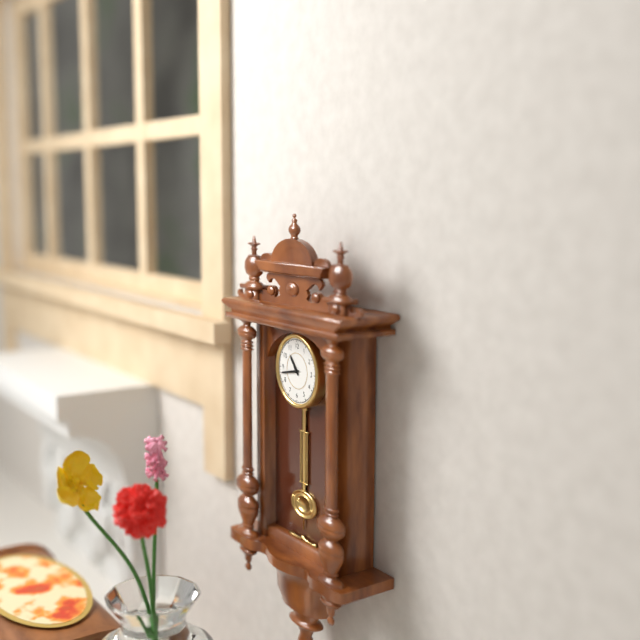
10:43
